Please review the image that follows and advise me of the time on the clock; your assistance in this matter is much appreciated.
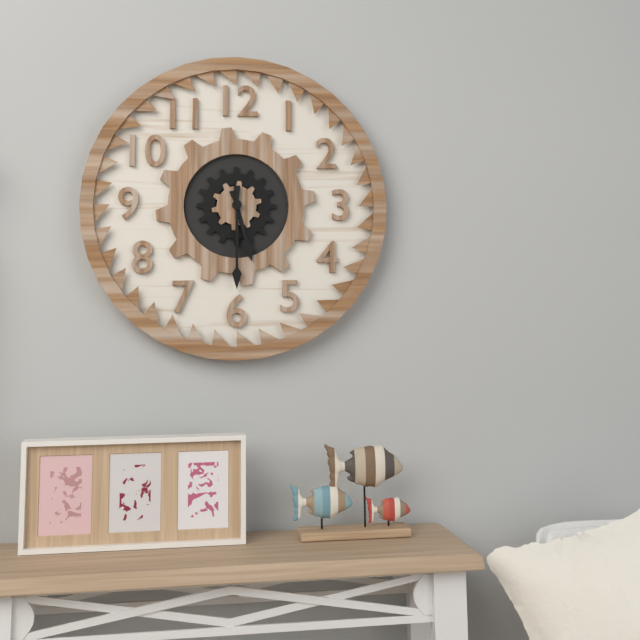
5:30
